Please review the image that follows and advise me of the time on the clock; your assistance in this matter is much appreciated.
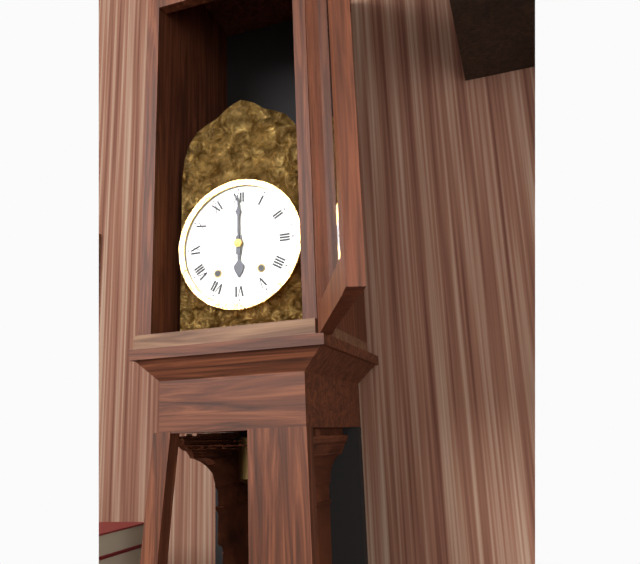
6:00
